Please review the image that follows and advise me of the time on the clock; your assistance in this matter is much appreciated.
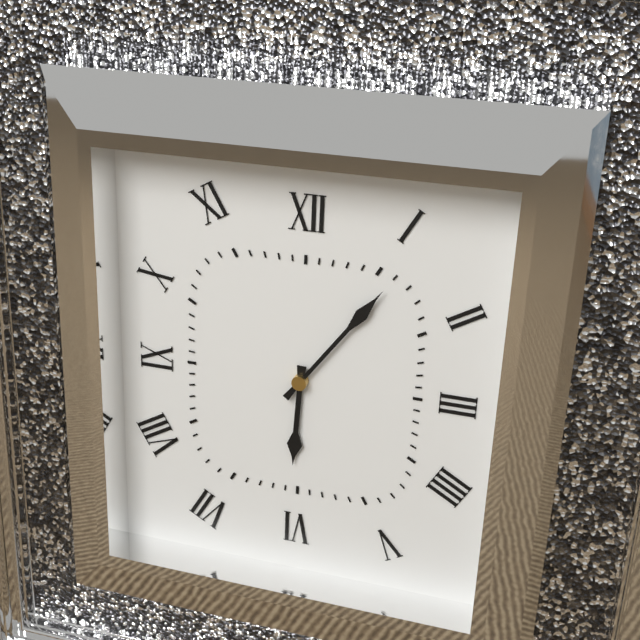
6:06
